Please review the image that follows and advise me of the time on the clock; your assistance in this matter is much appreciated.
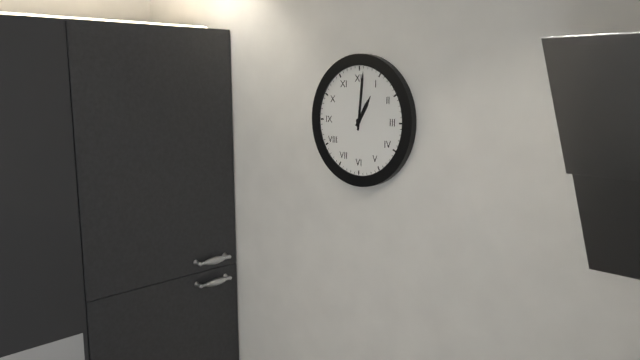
1:01
